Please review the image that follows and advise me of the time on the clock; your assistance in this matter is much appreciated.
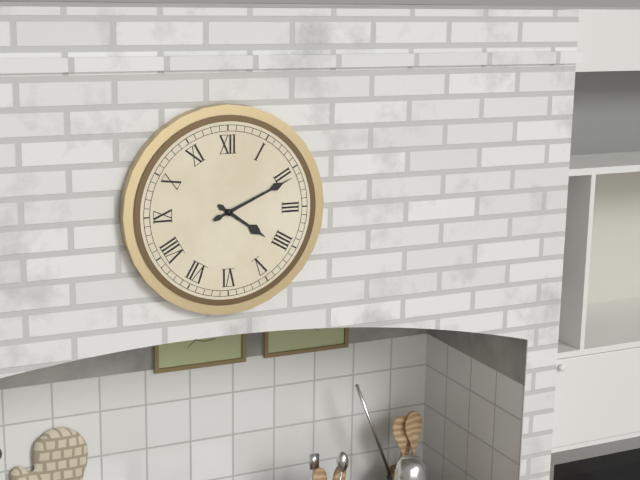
4:11
